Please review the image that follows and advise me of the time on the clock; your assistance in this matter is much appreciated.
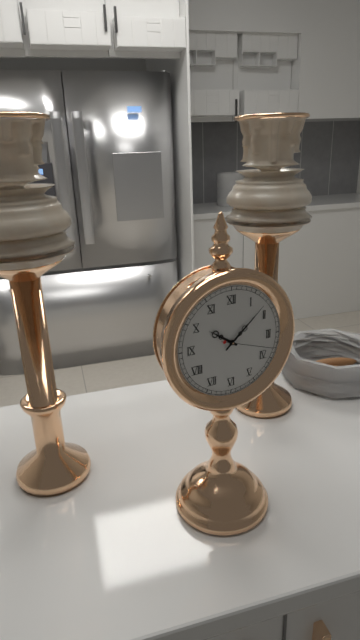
10:08:18
